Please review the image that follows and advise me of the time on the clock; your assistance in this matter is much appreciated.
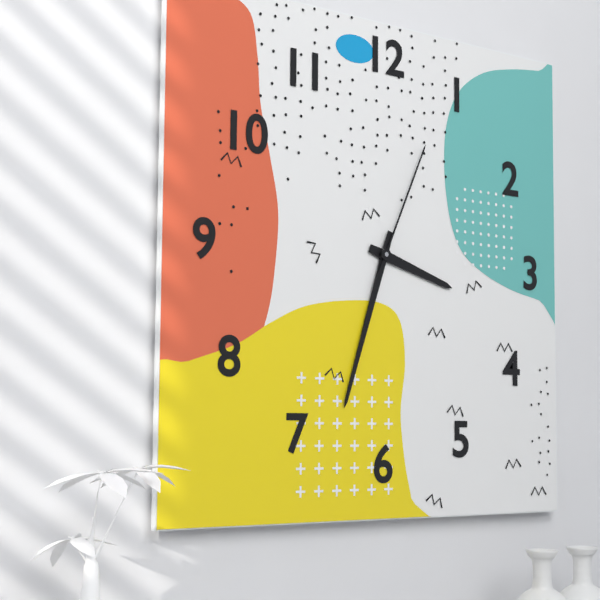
3:33:04
